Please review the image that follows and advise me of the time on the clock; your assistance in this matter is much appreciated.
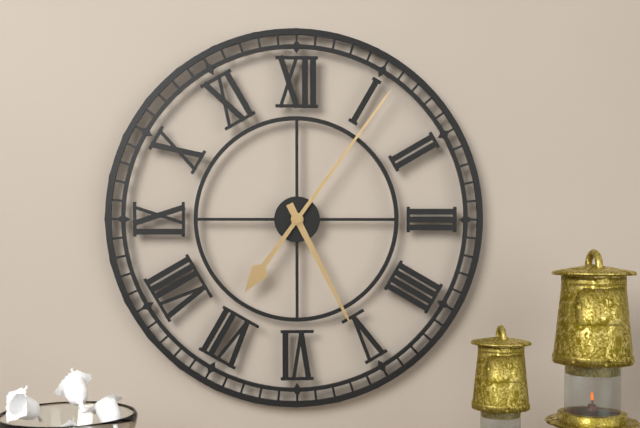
5:06
